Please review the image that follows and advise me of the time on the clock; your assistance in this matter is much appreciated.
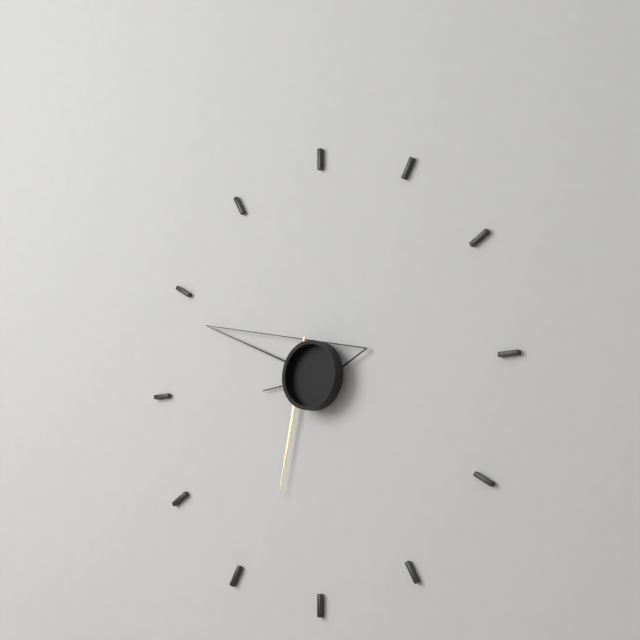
8:49:34
